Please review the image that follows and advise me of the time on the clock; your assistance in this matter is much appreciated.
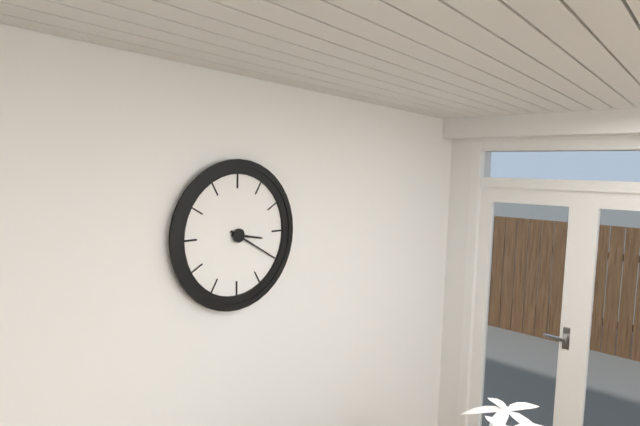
3:20
